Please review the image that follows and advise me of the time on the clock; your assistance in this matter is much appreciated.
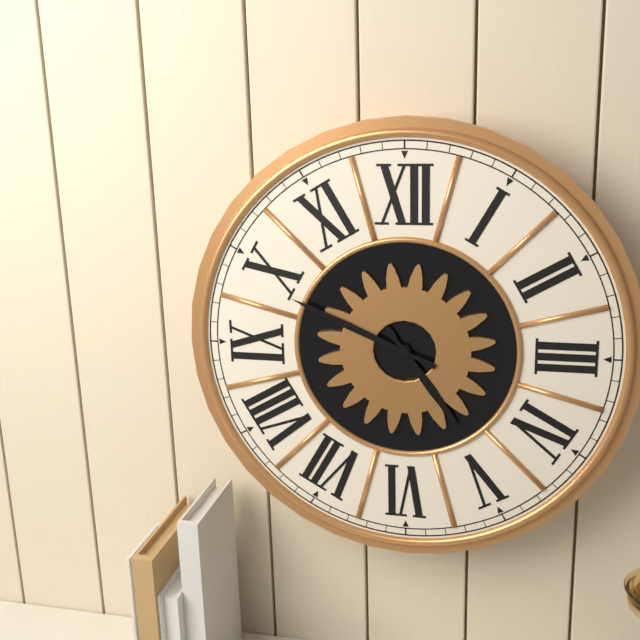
4:49
